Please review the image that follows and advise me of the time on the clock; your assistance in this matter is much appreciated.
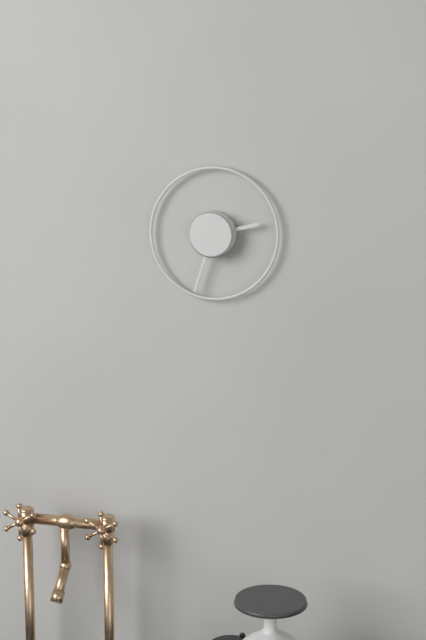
2:33
